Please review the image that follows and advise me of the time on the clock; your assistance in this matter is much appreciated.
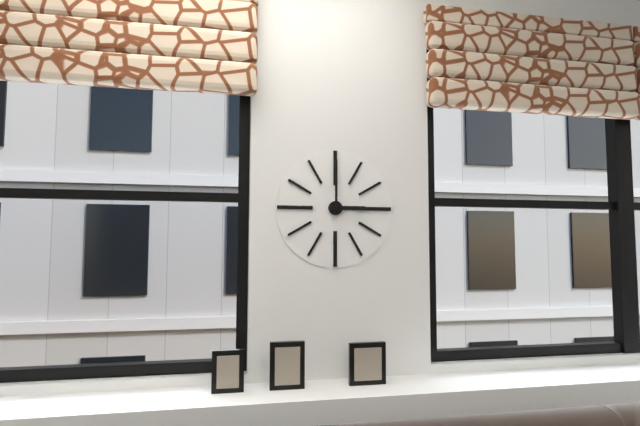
3:00
